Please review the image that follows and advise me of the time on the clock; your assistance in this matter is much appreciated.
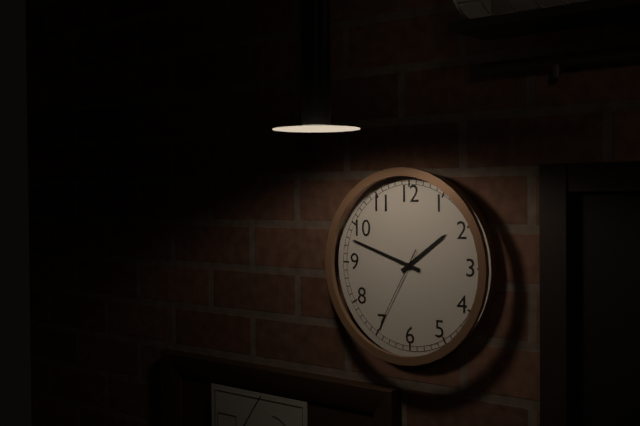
1:48:35
